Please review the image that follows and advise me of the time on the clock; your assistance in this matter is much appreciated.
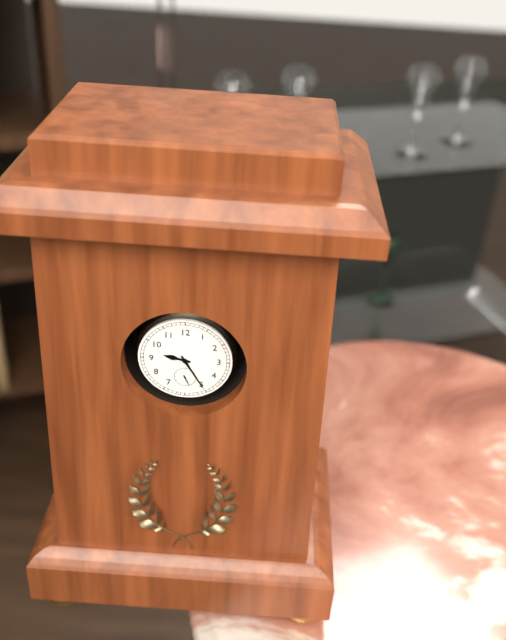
9:25
